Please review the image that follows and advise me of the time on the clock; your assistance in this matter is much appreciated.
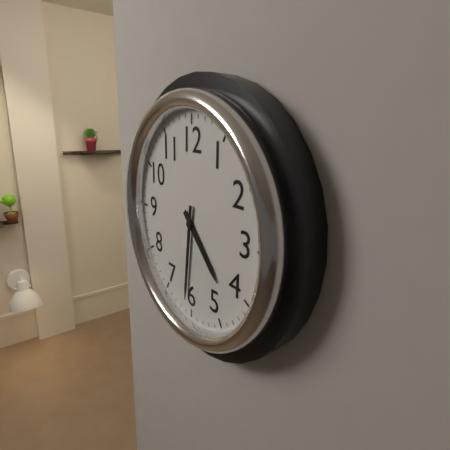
4:31
